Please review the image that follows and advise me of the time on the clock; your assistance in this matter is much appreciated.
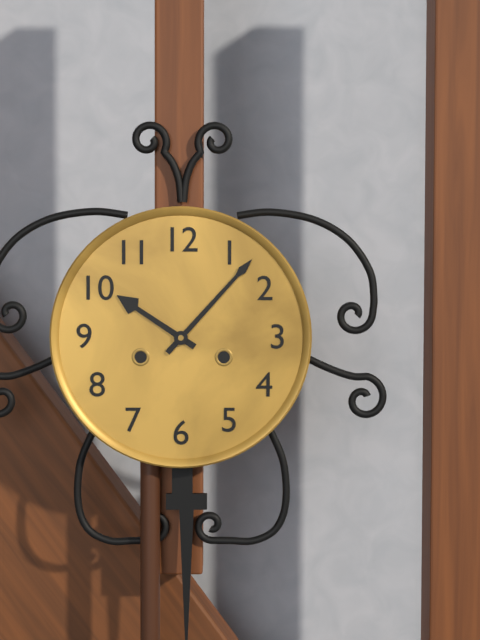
10:07
